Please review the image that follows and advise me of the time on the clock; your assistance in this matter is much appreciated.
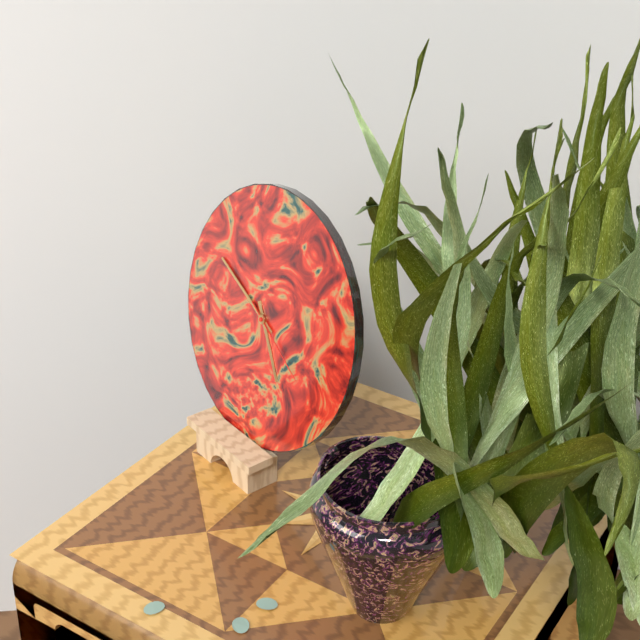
4:49:20
